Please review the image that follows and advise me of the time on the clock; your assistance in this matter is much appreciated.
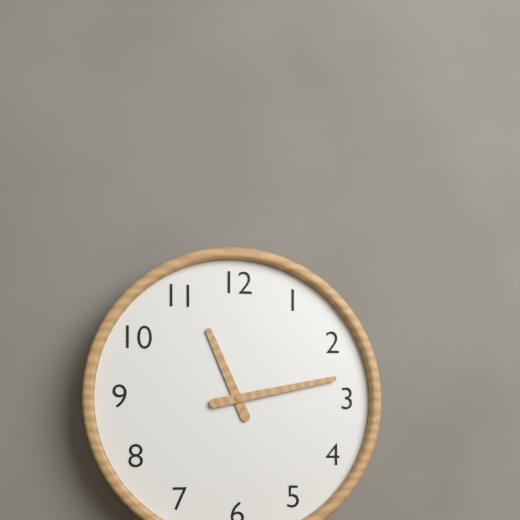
11:13
